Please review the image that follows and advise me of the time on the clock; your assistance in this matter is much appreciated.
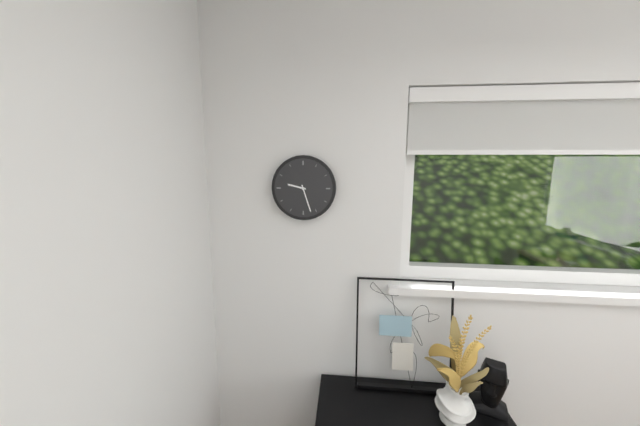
9:27
